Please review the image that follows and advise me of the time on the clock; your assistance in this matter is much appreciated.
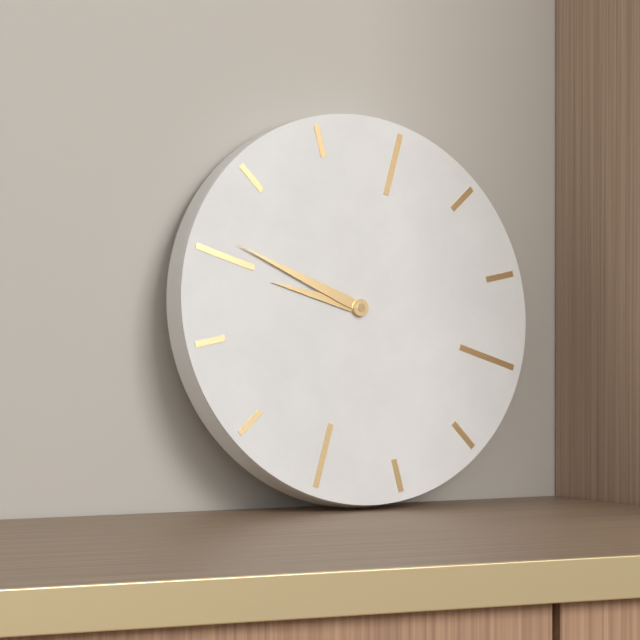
9:51
